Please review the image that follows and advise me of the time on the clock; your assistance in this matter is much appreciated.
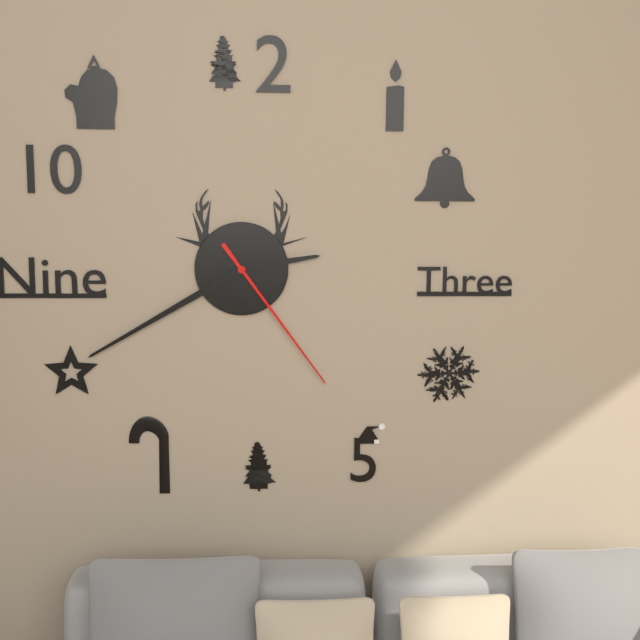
2:40:24
